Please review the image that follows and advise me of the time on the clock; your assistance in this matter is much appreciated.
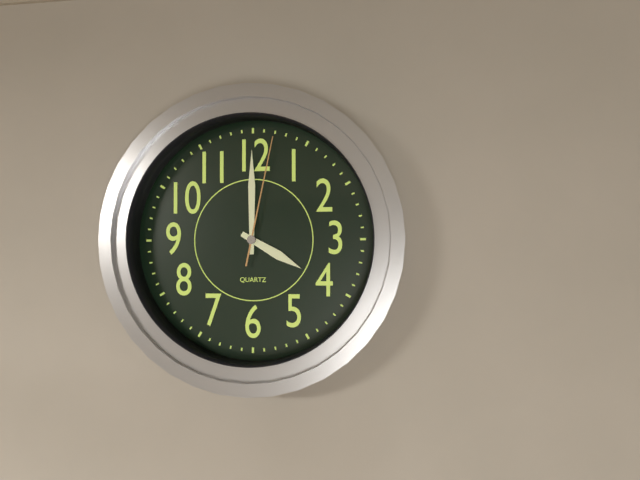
4:00:02
